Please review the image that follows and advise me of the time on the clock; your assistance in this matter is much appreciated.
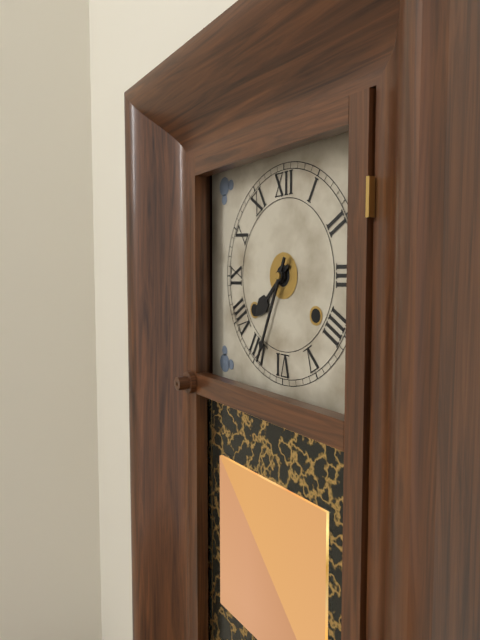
7:34
